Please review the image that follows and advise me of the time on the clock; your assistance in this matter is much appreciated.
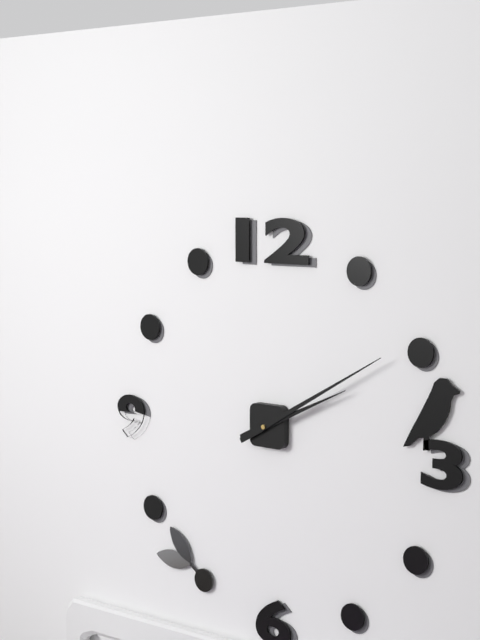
2:10
